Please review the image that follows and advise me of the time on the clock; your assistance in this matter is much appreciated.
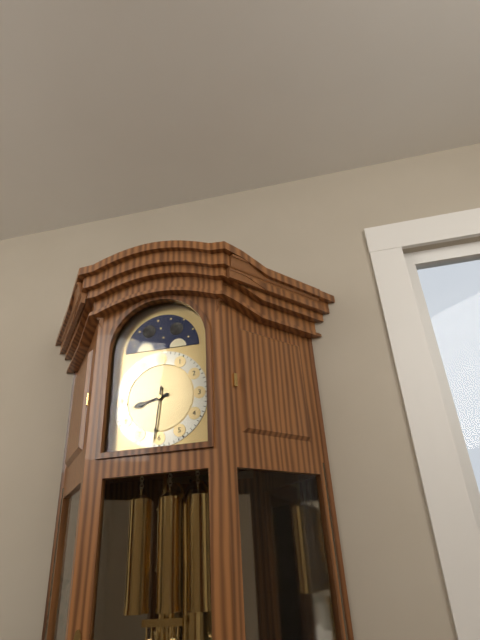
8:31
